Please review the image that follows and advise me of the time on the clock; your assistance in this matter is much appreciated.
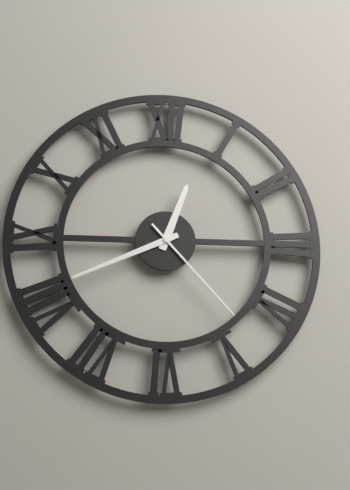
12:41:23
